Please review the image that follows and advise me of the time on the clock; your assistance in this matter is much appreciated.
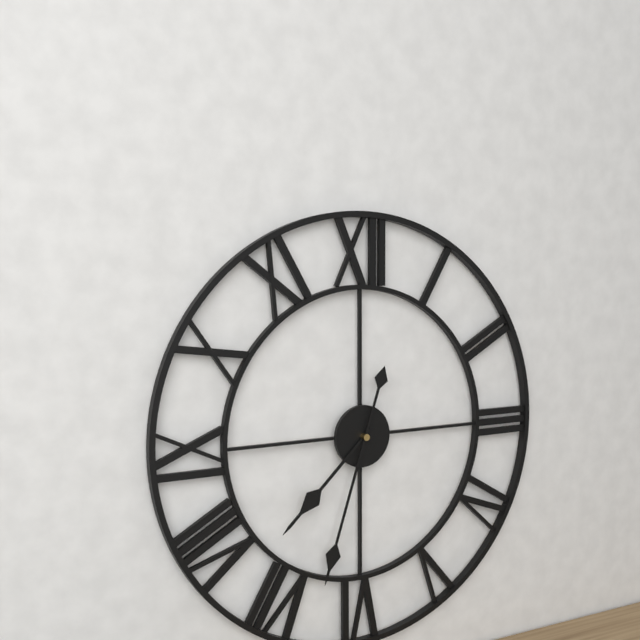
7:33
